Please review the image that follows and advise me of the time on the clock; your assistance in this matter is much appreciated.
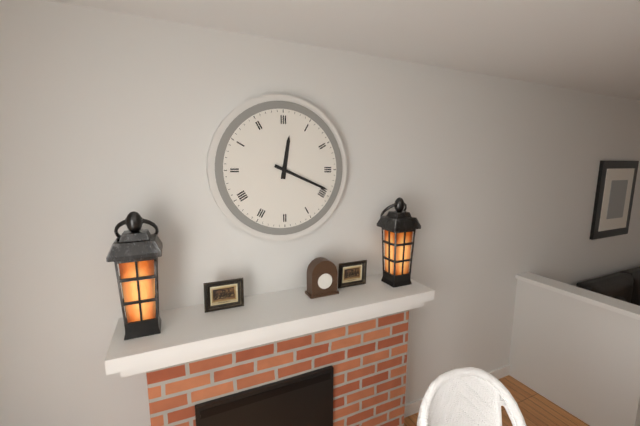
12:19
